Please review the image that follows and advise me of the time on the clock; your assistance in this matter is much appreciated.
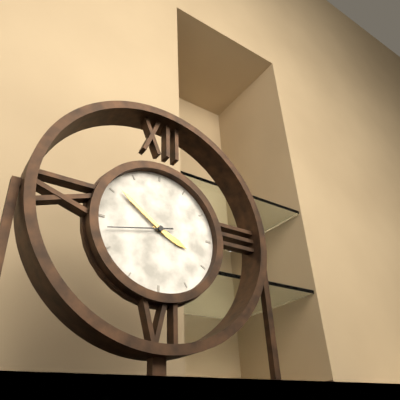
3:51:43
